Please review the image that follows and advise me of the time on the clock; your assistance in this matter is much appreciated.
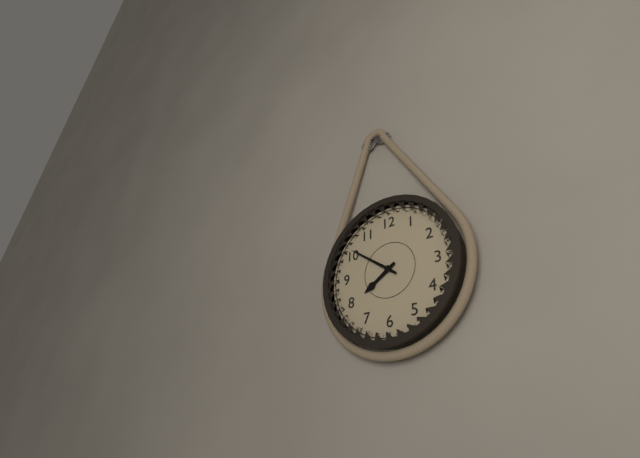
7:51
